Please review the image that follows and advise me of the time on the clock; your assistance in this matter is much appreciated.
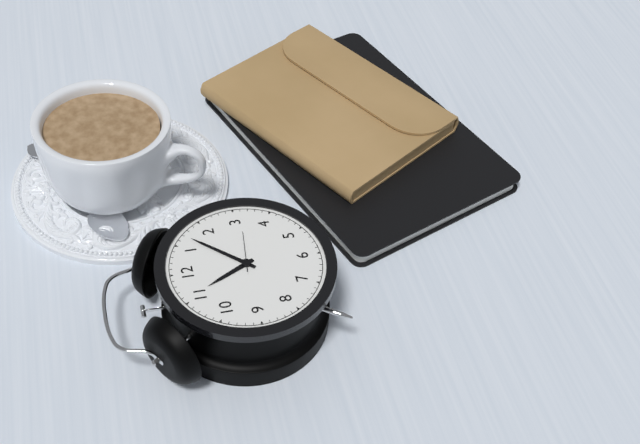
11:07
